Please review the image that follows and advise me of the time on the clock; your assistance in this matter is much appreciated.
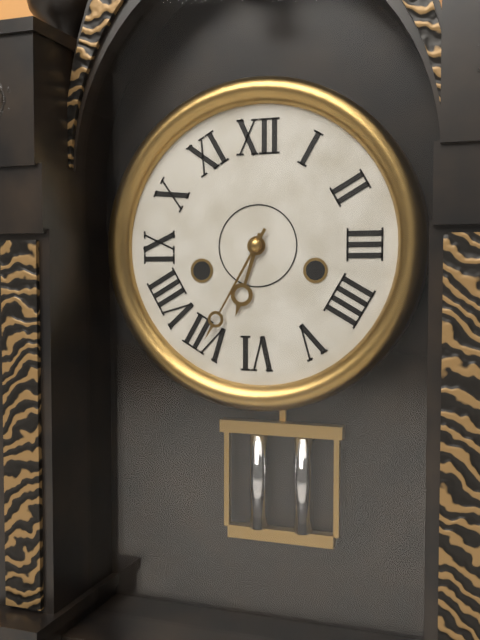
6:35
